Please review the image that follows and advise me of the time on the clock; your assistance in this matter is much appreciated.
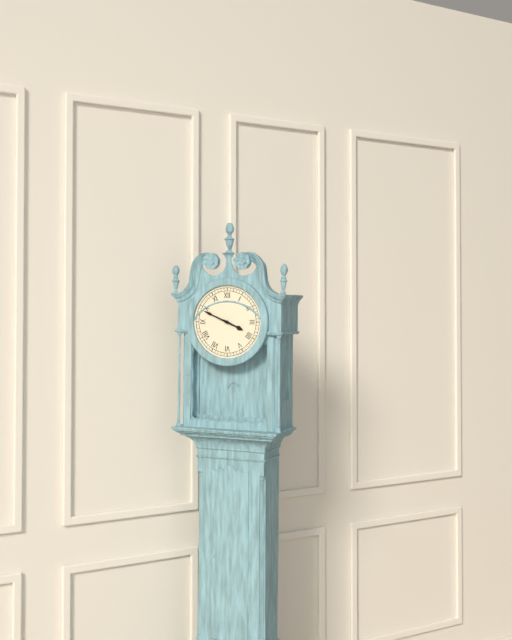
3:49
